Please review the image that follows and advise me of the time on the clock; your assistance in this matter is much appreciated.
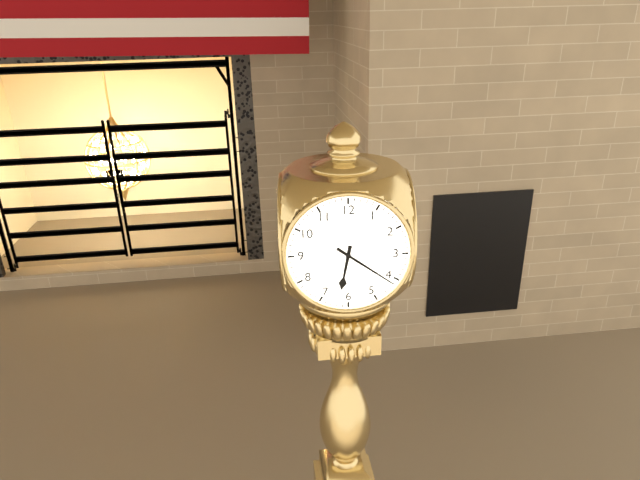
6:21
